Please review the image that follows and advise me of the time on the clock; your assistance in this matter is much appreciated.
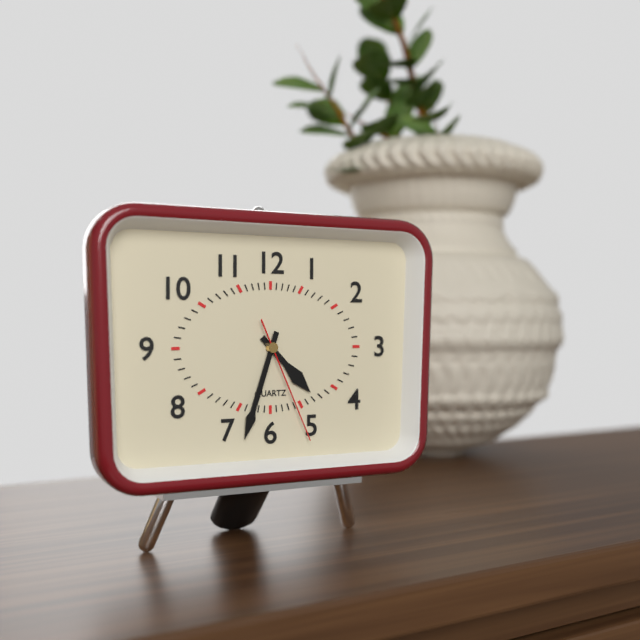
4:33:26
